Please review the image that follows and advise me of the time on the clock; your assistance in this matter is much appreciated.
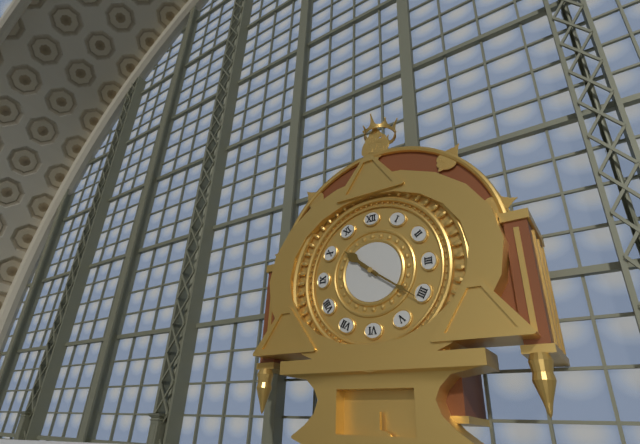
10:21
